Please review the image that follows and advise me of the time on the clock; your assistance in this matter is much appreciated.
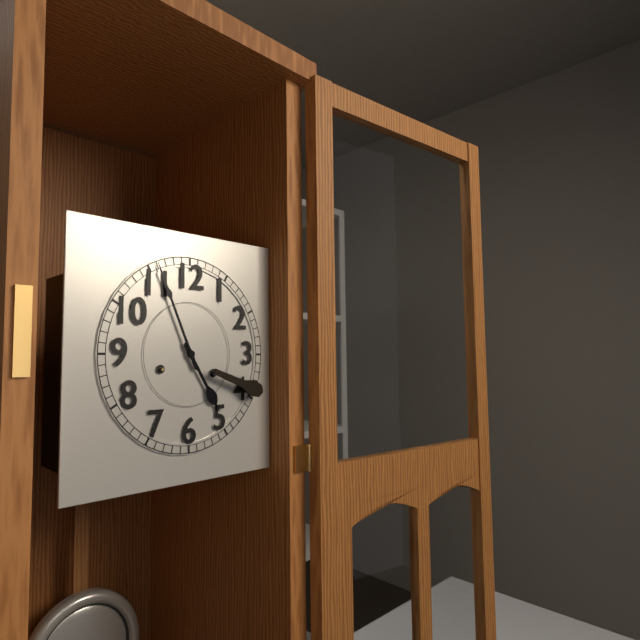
4:56
